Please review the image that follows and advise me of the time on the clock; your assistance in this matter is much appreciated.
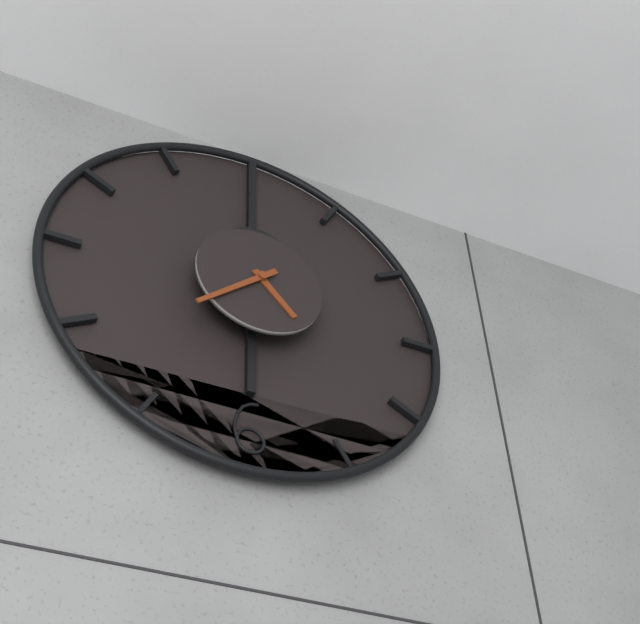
4:38
